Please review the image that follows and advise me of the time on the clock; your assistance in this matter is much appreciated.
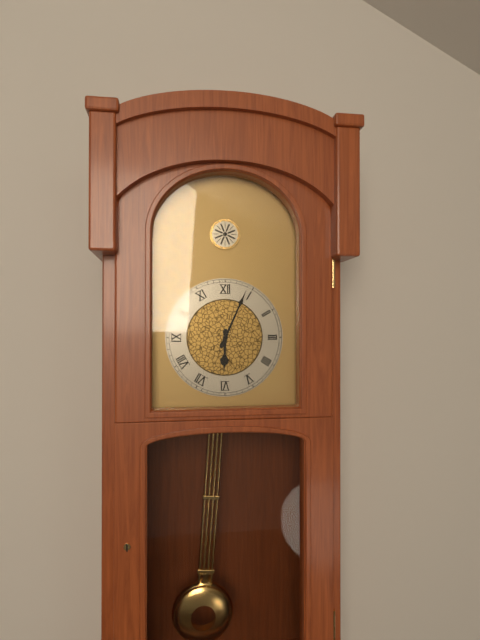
6:04
